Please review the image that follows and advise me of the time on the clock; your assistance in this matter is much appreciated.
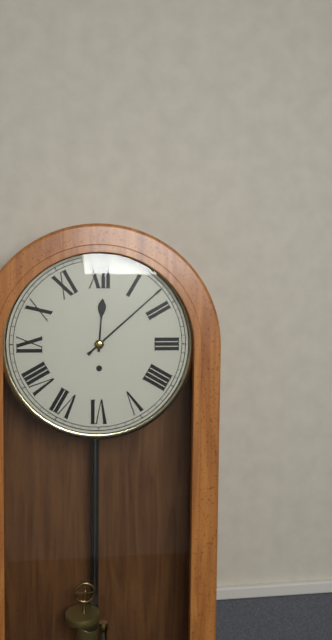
12:08
